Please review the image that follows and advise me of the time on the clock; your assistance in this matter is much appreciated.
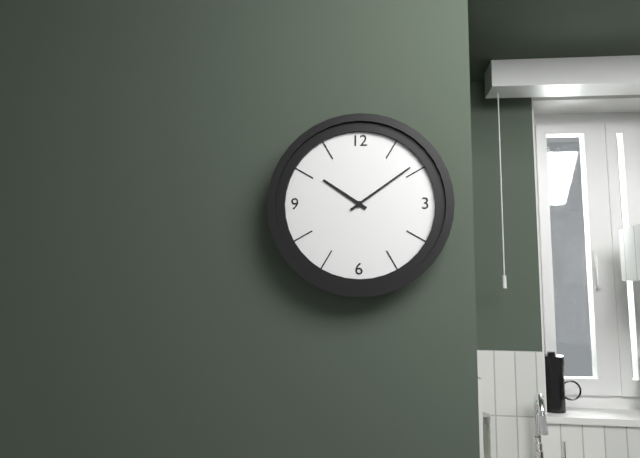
10:09
